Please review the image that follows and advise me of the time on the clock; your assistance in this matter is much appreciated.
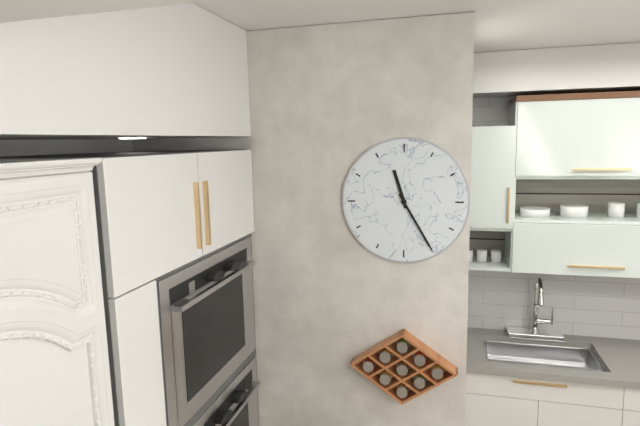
11:25
